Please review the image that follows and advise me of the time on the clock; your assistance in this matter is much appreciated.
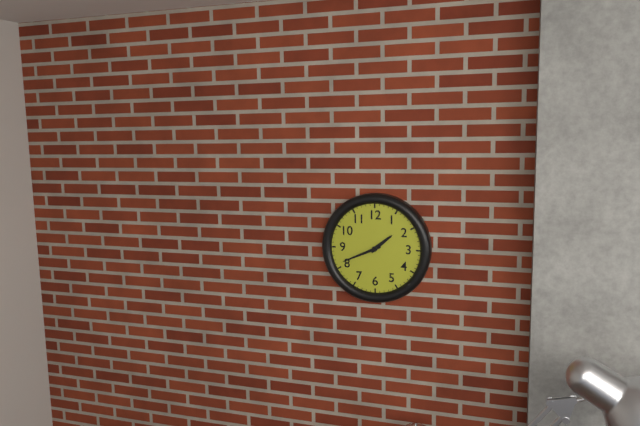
1:41
